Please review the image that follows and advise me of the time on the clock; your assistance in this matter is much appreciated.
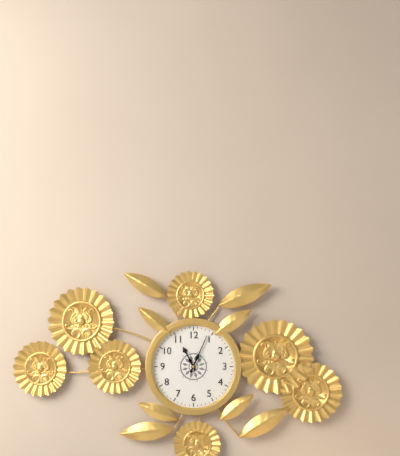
11:04
